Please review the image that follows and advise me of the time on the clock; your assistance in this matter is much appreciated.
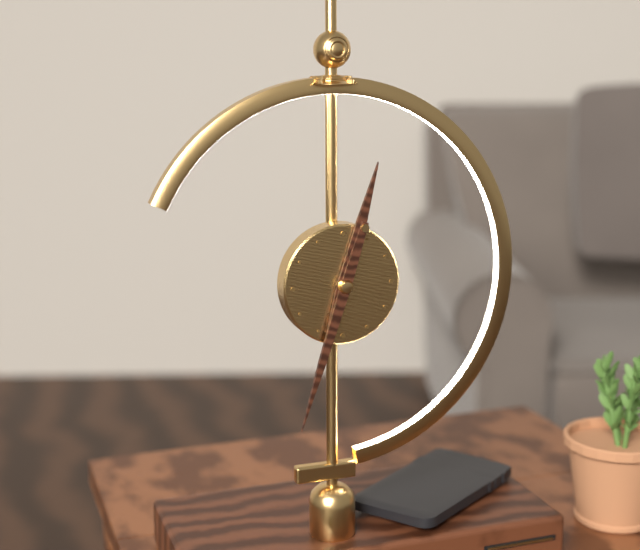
12:33
